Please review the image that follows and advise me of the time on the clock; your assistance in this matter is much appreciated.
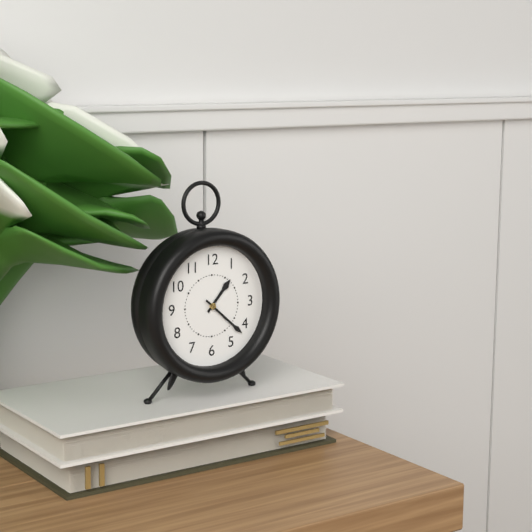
1:22
